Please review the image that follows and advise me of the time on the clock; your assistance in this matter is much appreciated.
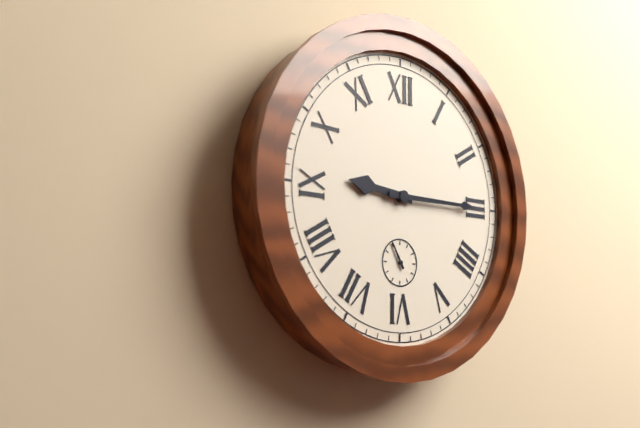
9:15
